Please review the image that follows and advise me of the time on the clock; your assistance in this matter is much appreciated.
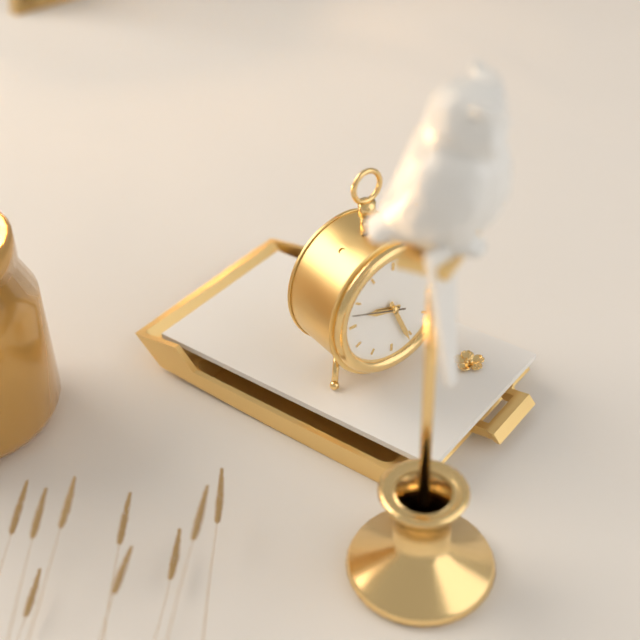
9:26
